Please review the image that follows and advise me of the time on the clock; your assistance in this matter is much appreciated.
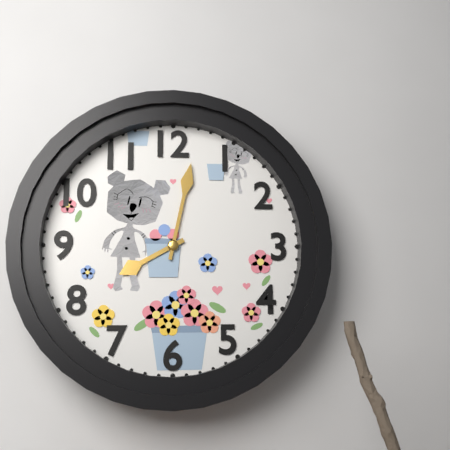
8:02
